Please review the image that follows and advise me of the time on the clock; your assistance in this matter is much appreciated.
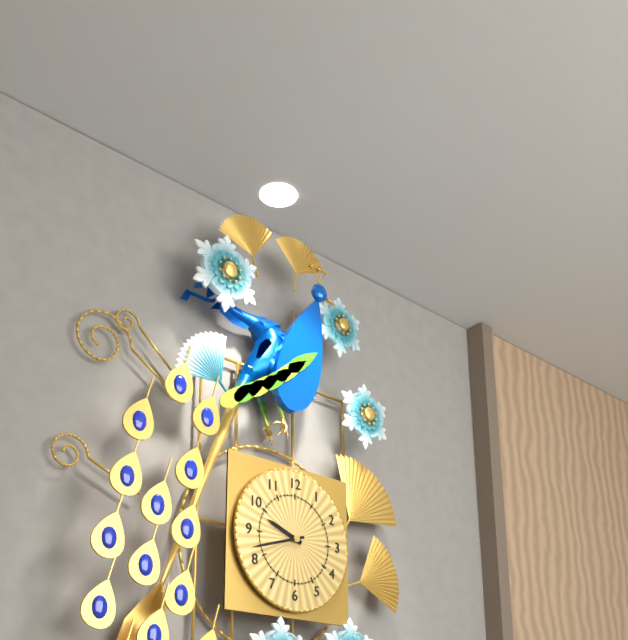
9:42
